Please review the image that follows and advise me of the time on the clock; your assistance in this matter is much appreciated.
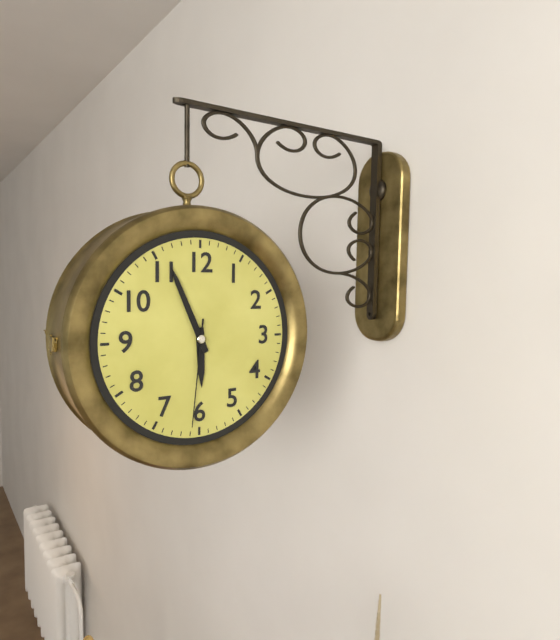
5:56:31
